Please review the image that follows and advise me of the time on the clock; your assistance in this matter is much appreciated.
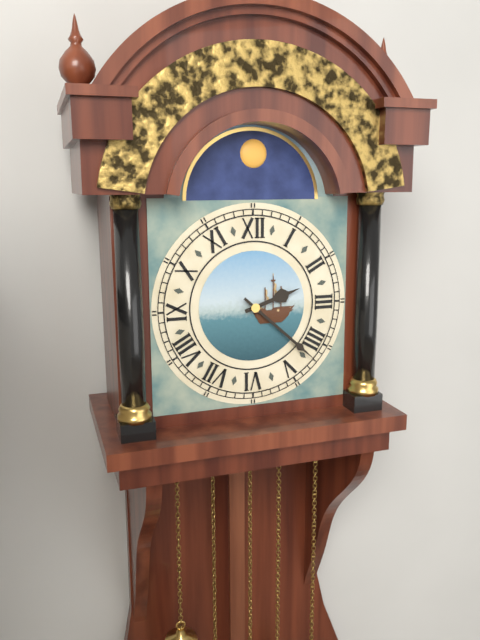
2:22
